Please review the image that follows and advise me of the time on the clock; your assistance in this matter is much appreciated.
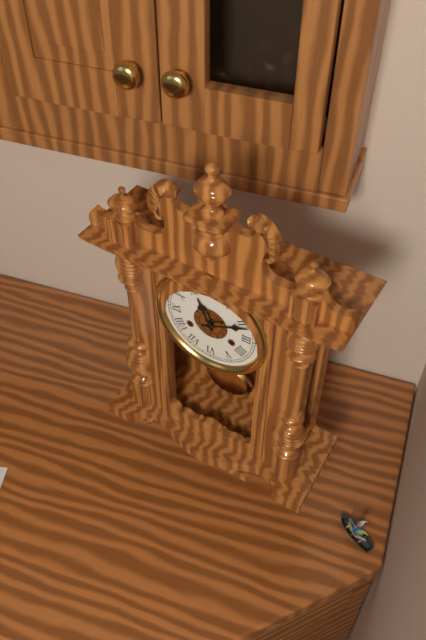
11:11
